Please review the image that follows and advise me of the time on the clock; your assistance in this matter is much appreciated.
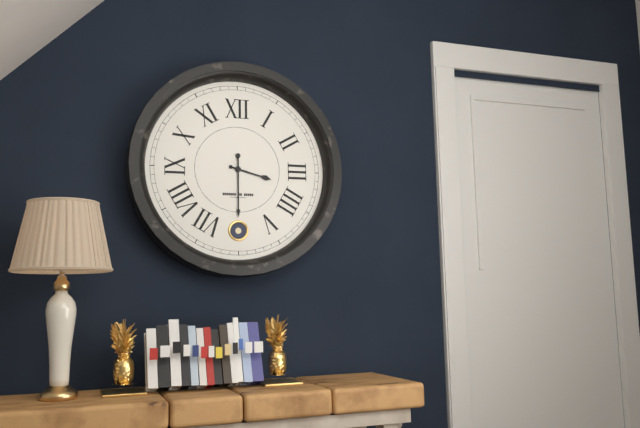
3:30
